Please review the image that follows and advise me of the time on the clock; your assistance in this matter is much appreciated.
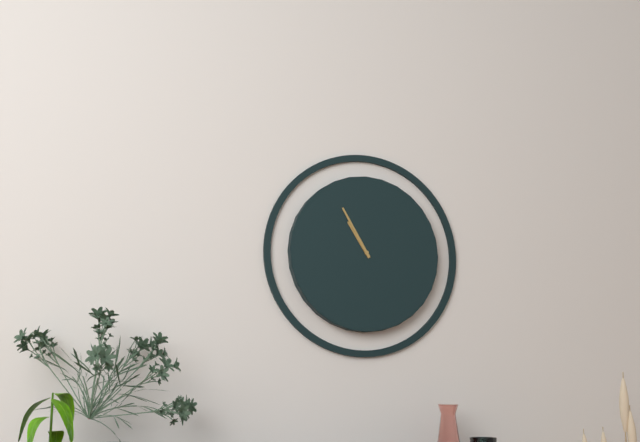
10:55
